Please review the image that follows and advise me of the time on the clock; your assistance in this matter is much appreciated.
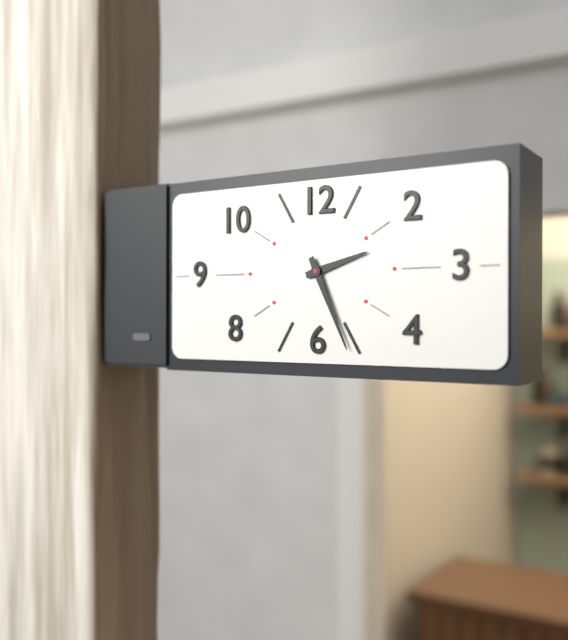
2:26
